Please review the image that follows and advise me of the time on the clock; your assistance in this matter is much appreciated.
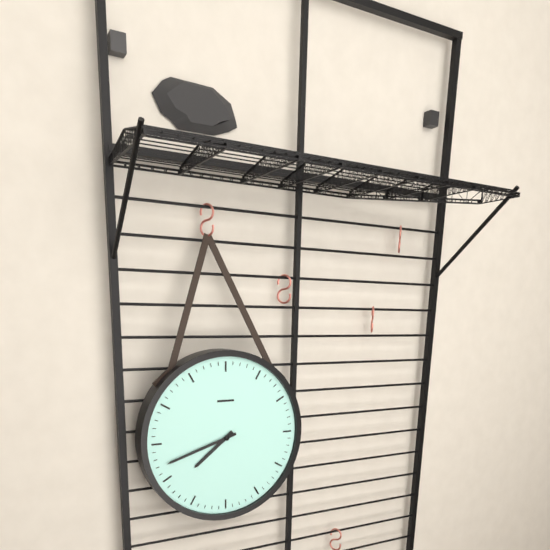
7:42
